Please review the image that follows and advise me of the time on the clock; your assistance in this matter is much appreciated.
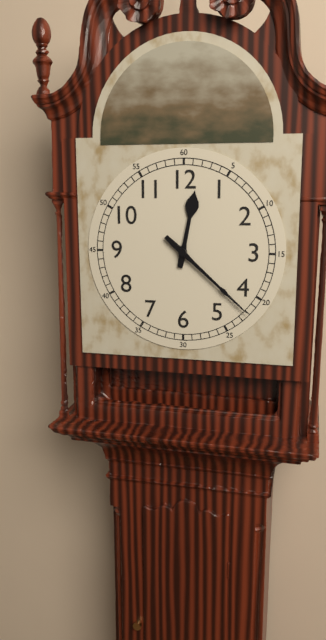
12:22
